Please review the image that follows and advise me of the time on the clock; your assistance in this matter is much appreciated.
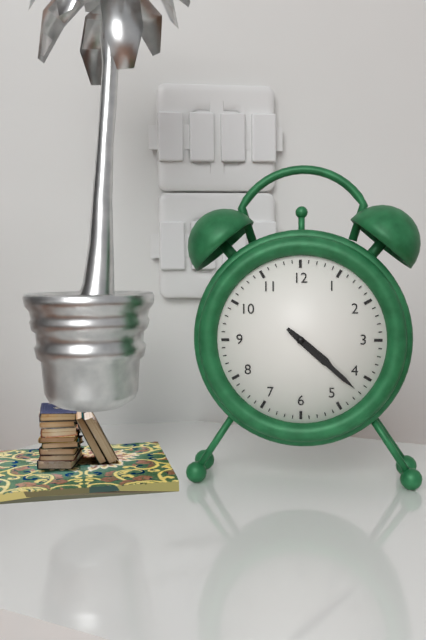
4:22
